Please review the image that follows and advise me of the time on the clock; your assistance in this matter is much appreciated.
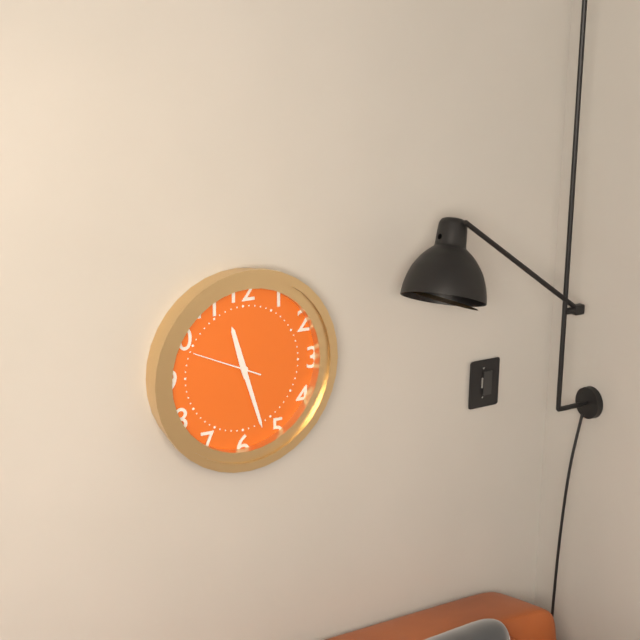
11:27:49
